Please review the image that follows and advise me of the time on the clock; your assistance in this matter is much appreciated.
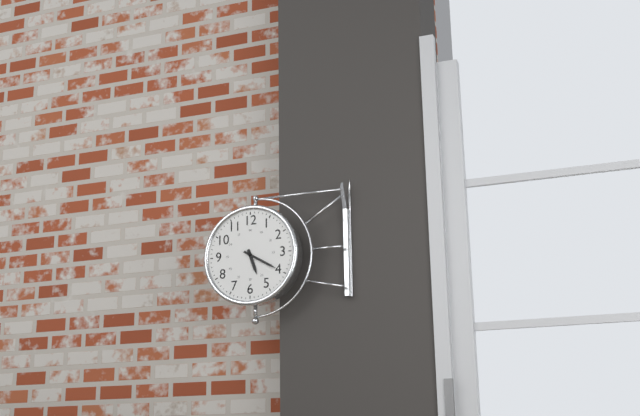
5:20
